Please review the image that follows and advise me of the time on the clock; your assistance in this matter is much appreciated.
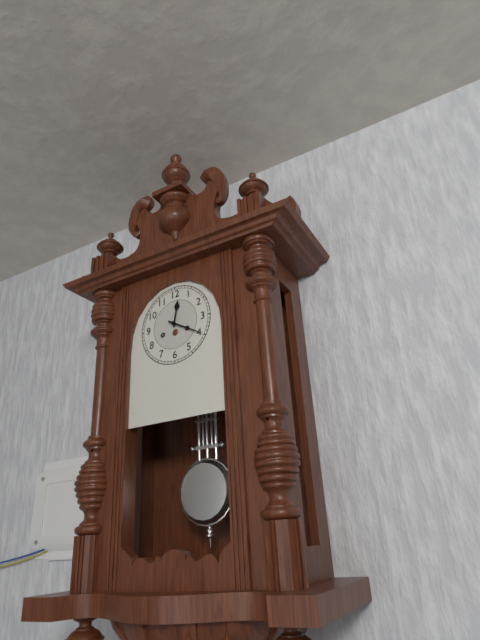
12:20
